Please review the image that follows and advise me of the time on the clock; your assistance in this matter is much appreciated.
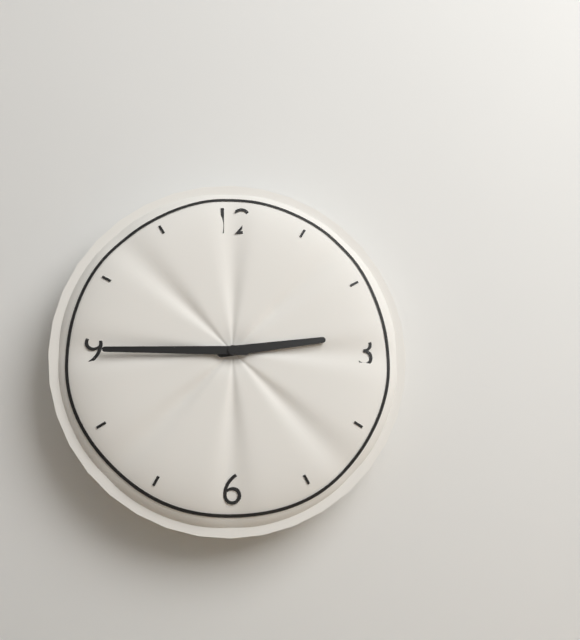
2:45
